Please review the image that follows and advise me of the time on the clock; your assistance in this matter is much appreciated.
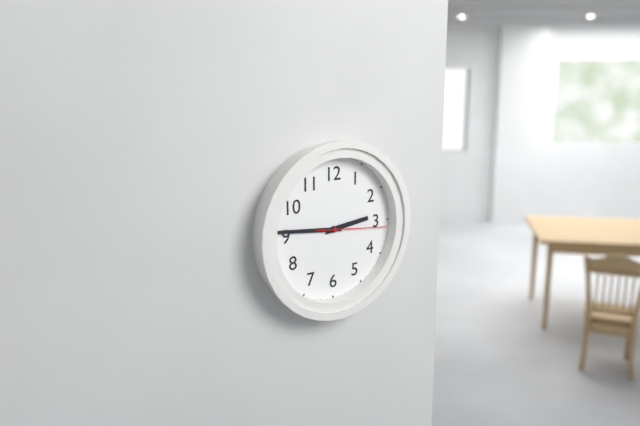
2:46:16
